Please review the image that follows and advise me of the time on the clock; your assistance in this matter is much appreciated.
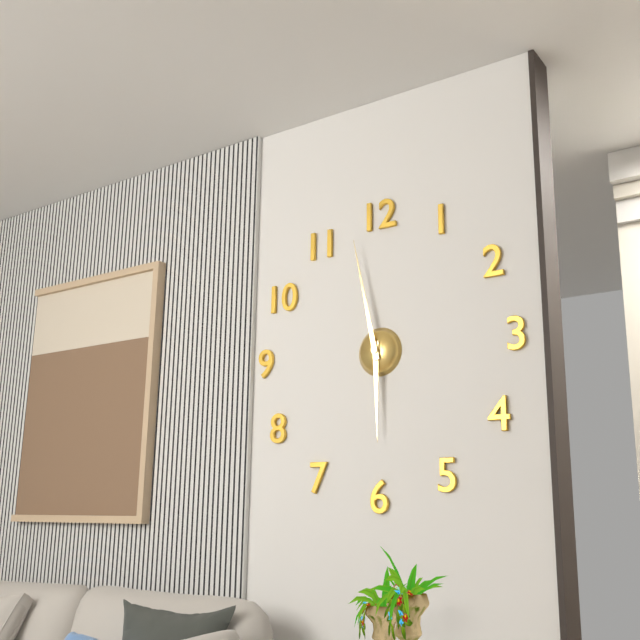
5:58
